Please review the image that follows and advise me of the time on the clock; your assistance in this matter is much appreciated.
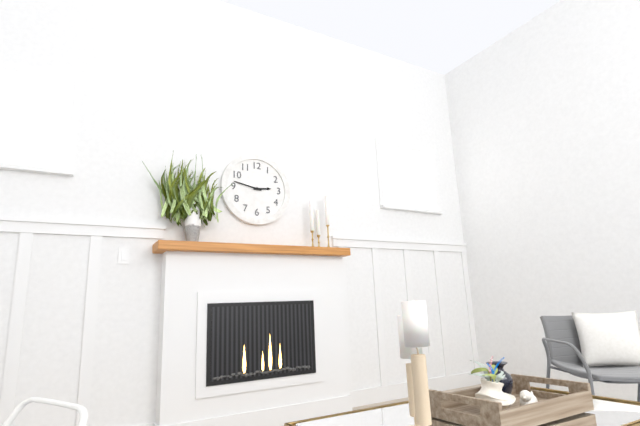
2:47
